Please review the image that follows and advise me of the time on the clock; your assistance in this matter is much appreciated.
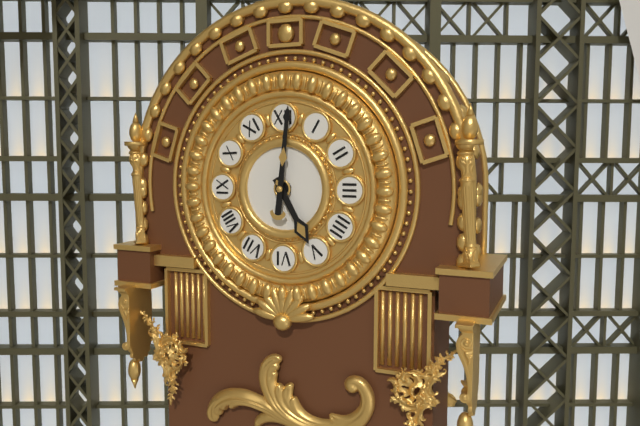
5:01
